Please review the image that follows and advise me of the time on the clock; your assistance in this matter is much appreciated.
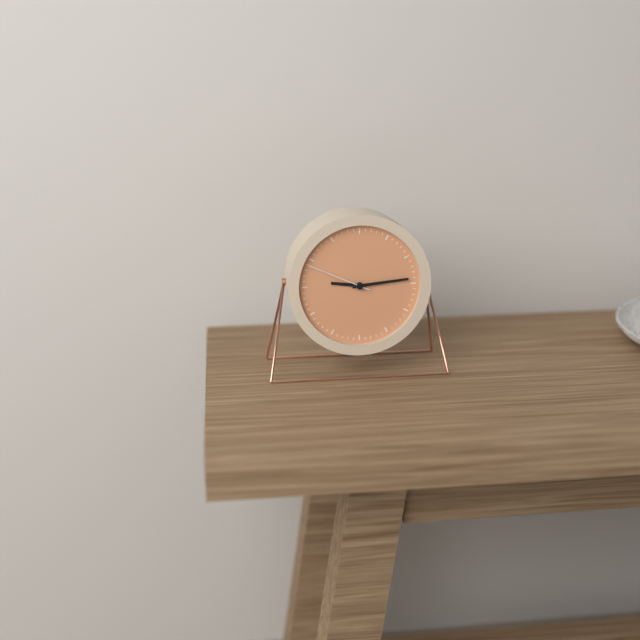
9:14:49
